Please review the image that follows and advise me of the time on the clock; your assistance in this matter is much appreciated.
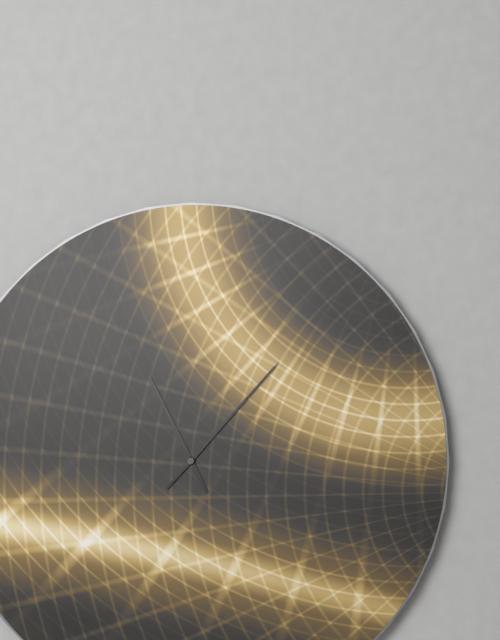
11:07
